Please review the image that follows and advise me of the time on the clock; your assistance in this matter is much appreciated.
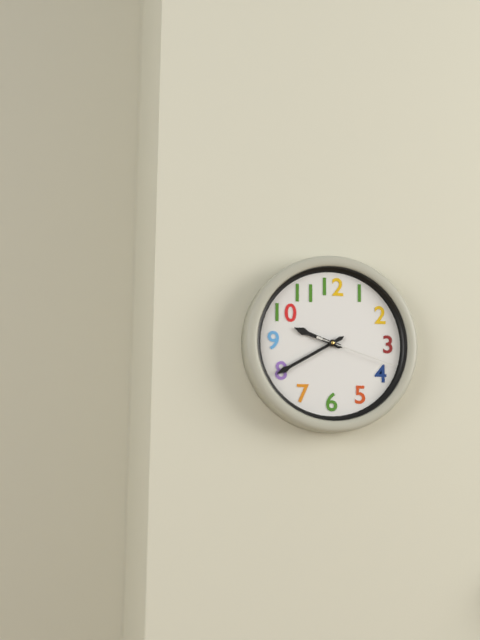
9:40:18
